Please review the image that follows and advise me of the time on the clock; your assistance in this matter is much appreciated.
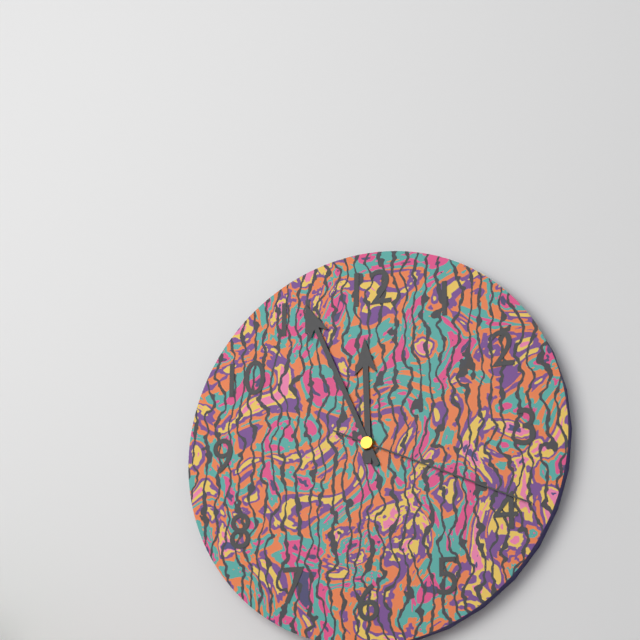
11:56:19
